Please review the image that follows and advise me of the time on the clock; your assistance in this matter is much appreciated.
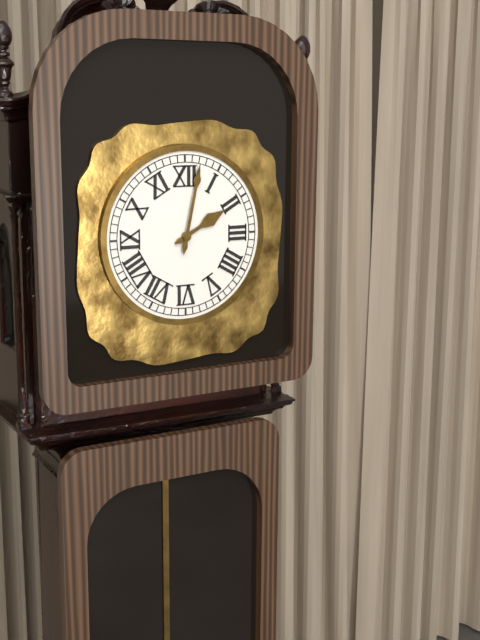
2:02
